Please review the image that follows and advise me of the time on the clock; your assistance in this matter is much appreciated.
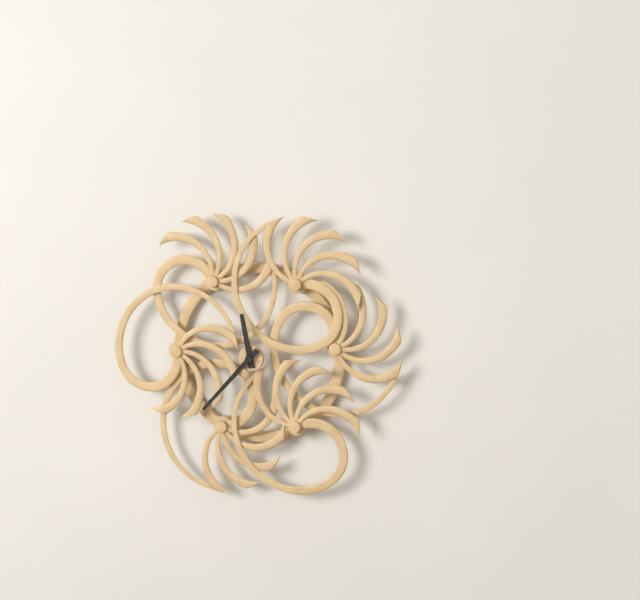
11:37
